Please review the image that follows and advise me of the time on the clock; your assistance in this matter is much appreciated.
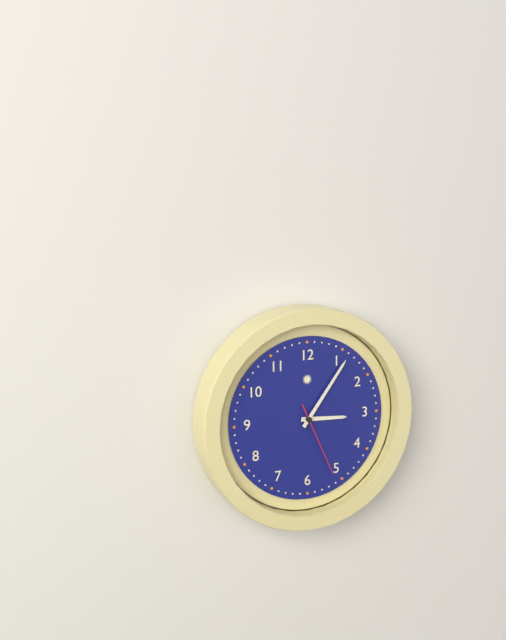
3:06:26
